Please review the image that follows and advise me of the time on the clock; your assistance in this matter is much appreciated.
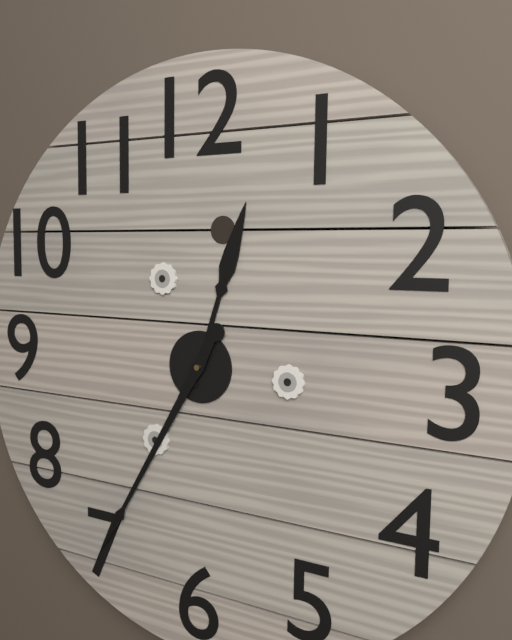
12:35
